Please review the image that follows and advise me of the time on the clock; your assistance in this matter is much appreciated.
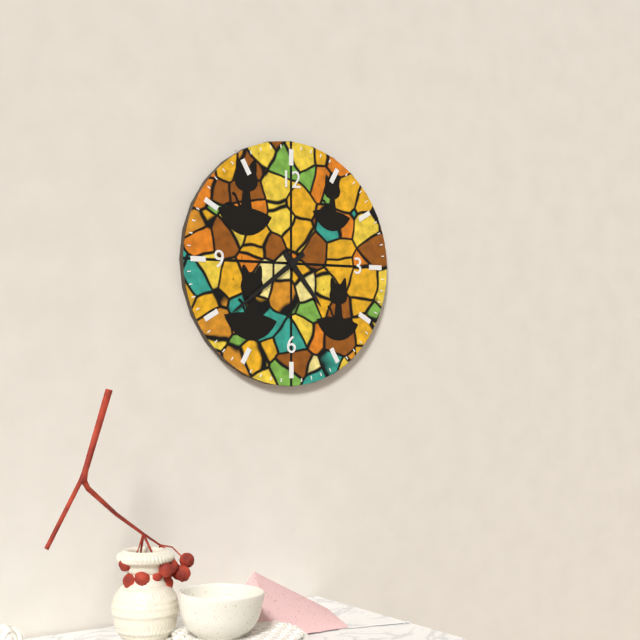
4:39
